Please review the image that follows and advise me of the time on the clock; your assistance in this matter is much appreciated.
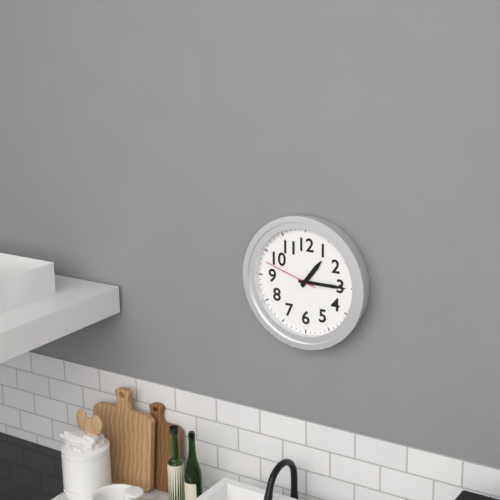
1:15:48
